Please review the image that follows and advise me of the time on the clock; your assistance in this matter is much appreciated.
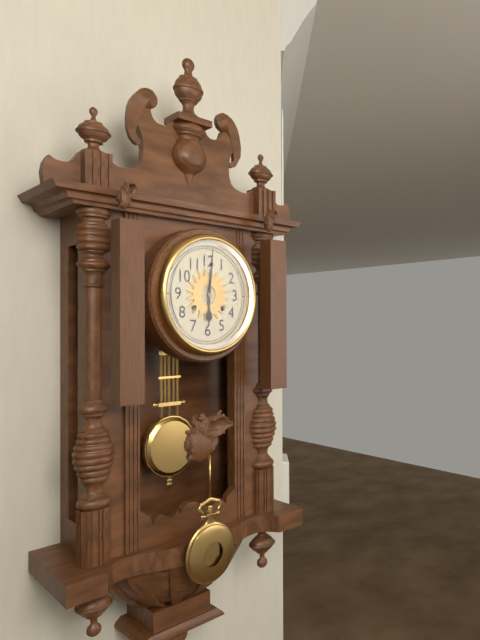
6:01
